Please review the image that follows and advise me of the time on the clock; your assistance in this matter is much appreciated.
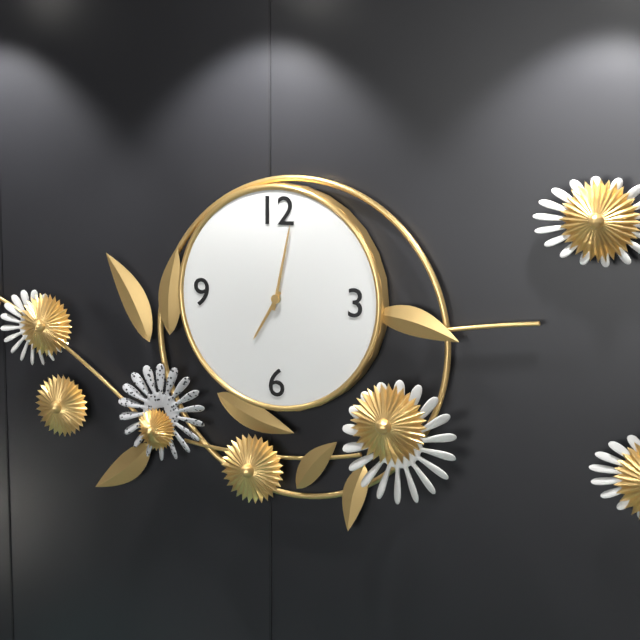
7:02
